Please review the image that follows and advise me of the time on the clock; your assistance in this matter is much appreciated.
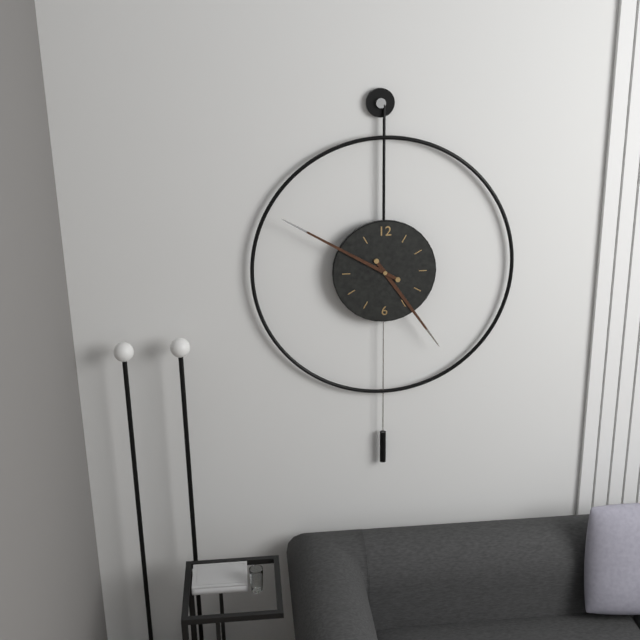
4:50
